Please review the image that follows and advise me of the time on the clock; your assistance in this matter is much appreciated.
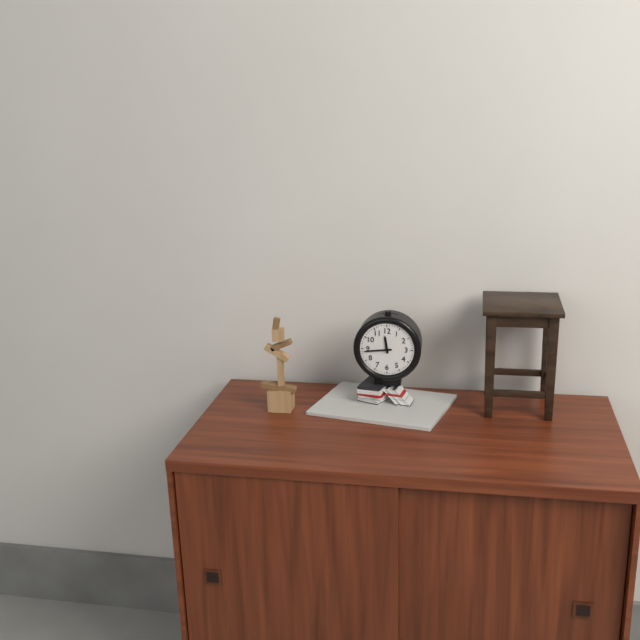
11:44
